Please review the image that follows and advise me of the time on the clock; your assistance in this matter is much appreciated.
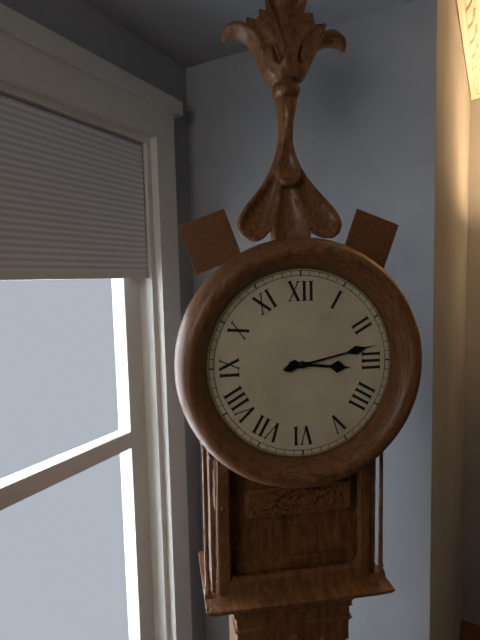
3:13
